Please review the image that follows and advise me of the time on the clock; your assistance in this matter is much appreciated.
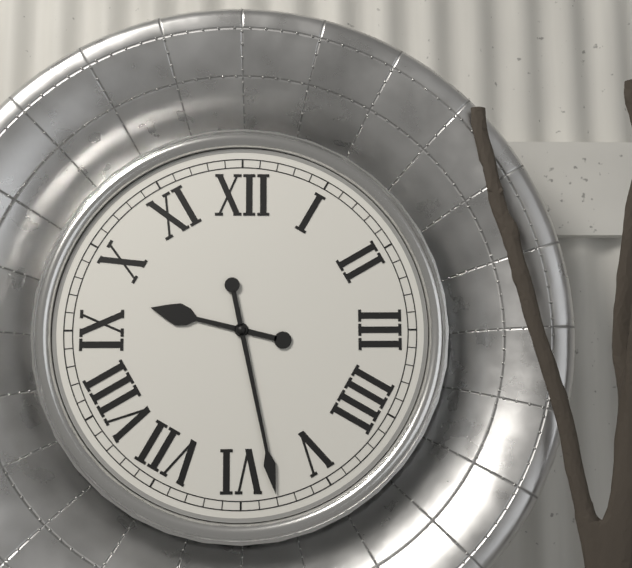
9:28
